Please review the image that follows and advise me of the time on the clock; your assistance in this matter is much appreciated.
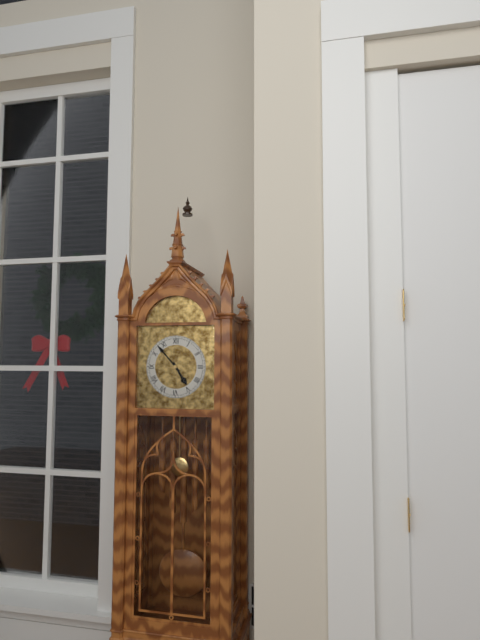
4:53
